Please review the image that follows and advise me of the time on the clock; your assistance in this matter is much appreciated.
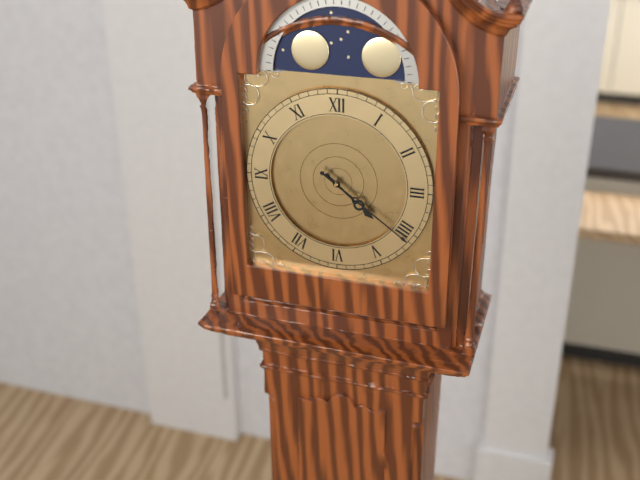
4:21
